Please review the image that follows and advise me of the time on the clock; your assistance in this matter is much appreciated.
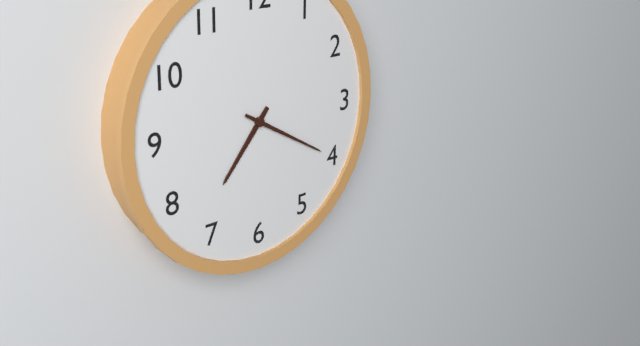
7:20
